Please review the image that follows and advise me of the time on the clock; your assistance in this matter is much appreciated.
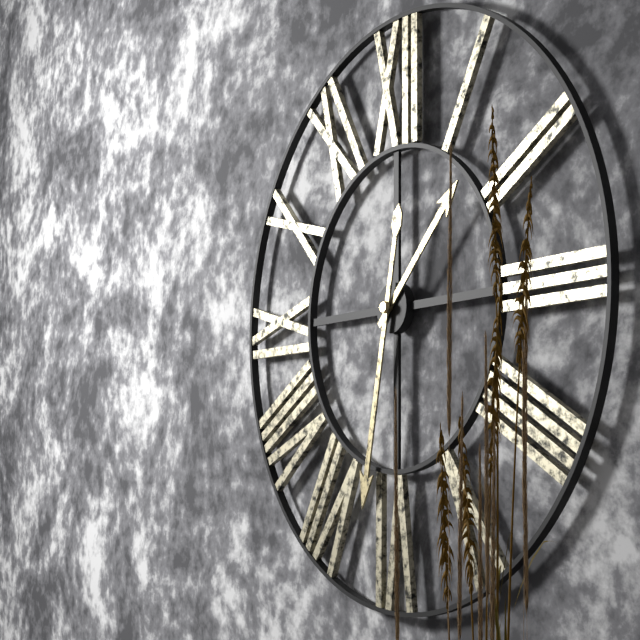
1:32
